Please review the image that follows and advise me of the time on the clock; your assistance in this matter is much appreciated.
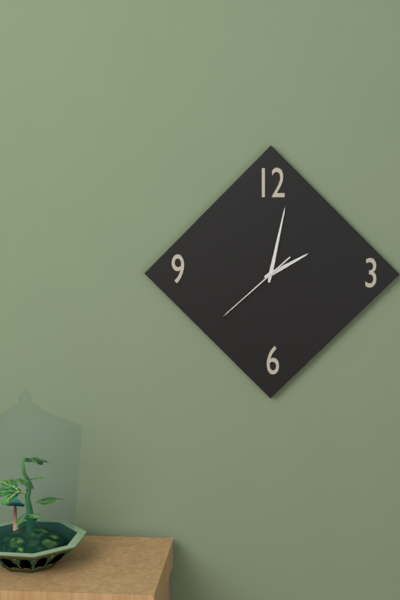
2:02:38
